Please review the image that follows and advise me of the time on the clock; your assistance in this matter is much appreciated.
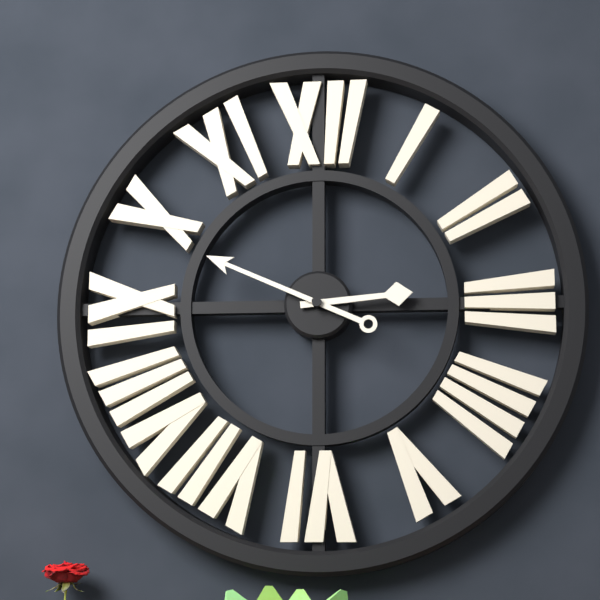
2:49
